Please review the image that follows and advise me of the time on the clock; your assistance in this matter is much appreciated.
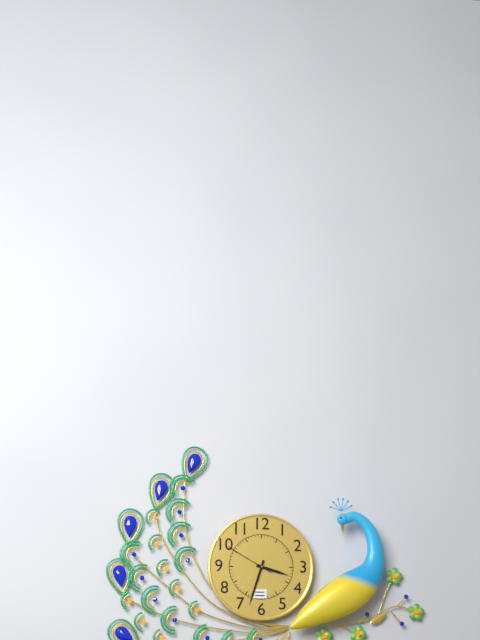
3:33
